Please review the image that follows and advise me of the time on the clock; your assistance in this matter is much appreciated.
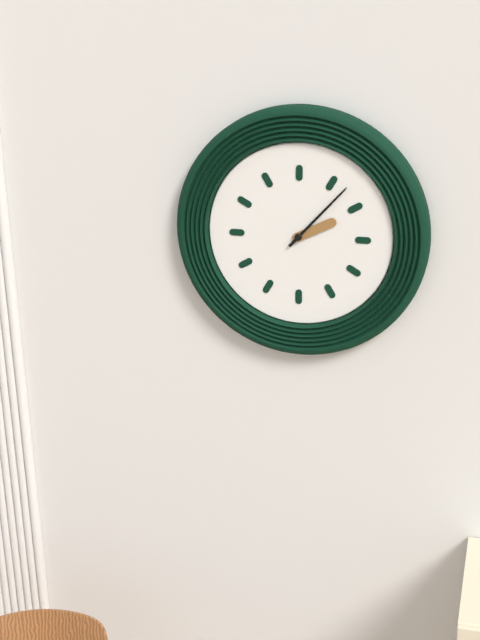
2:07
